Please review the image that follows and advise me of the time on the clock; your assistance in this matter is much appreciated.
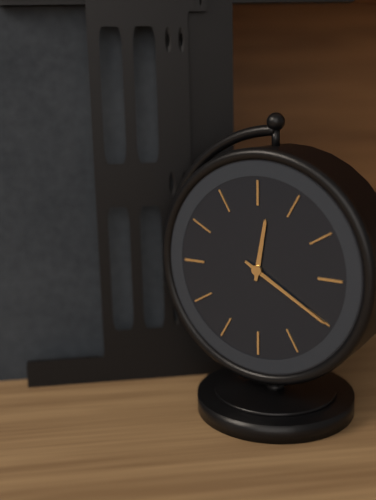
12:20
